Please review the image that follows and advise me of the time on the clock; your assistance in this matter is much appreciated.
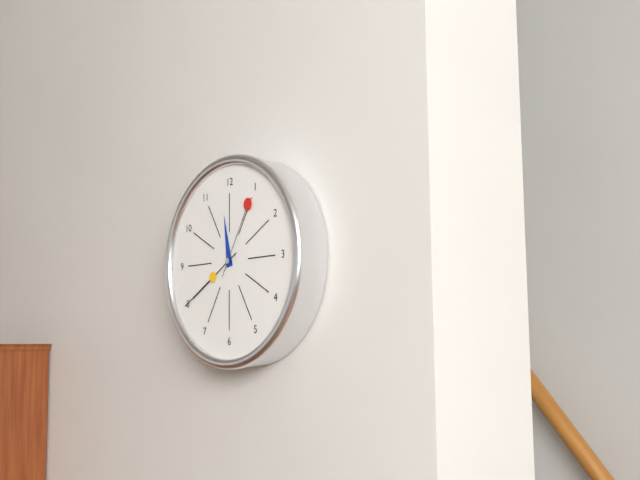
11:40:05
